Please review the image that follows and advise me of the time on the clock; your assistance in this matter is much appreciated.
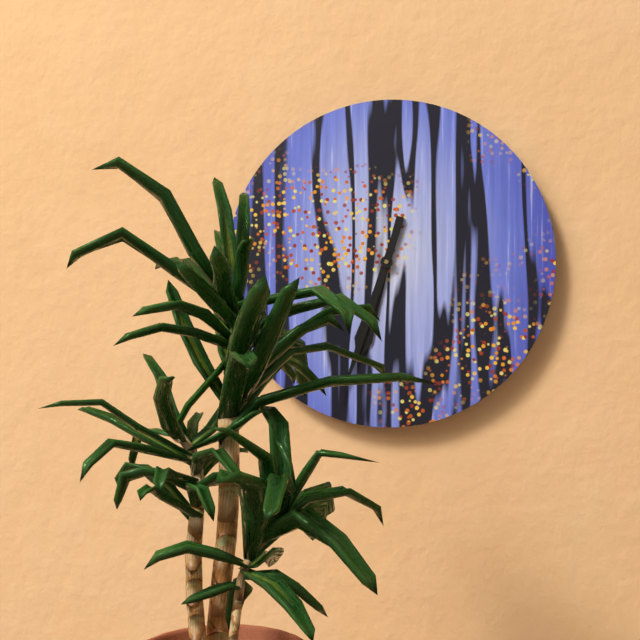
6:33
